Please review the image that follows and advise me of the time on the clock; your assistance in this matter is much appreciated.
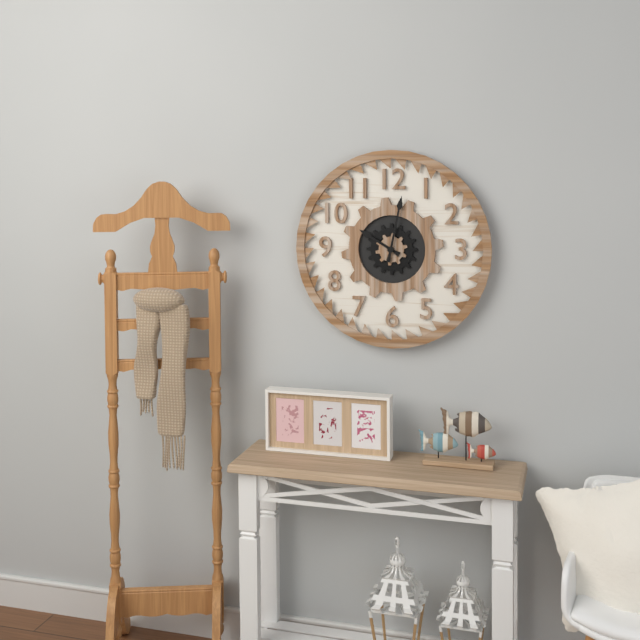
10:02
